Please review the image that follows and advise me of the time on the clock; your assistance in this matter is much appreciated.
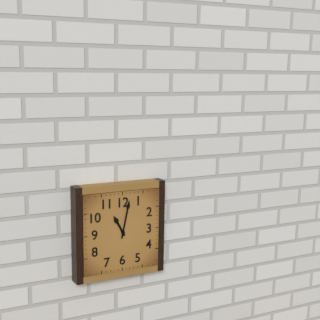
11:02
